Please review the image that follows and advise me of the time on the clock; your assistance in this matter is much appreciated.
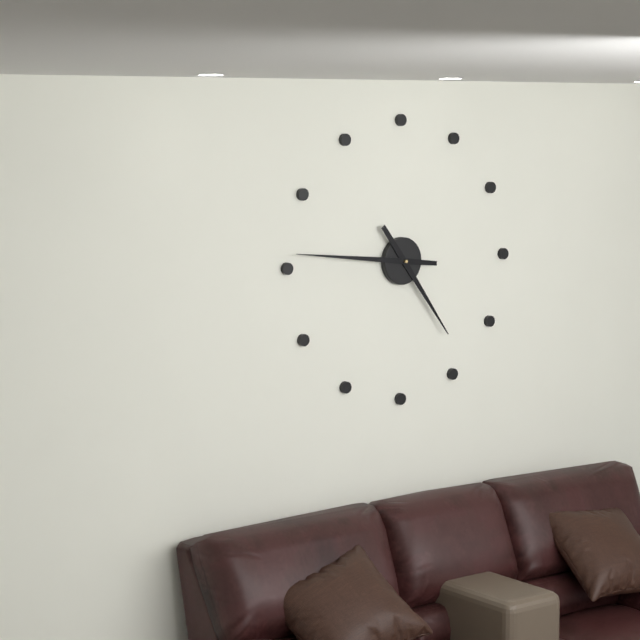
4:46
